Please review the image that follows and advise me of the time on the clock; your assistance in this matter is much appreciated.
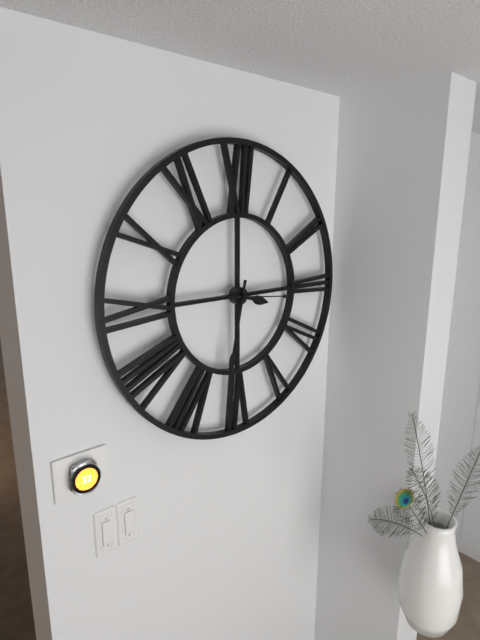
3:32:16
